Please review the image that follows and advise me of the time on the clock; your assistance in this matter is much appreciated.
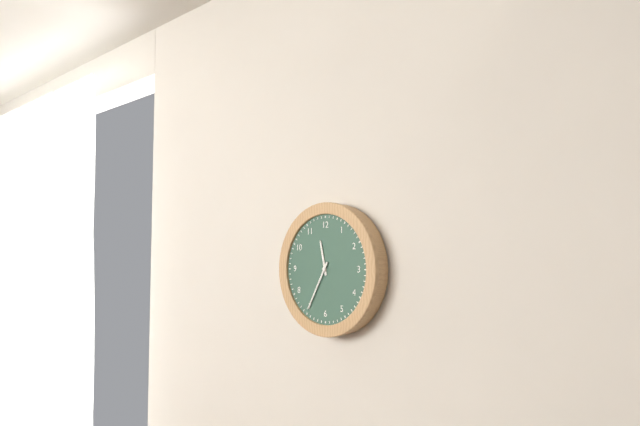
11:35
